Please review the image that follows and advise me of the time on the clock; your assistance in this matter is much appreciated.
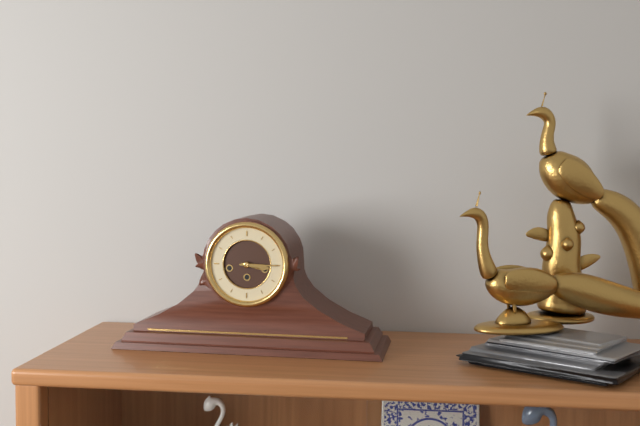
3:15
